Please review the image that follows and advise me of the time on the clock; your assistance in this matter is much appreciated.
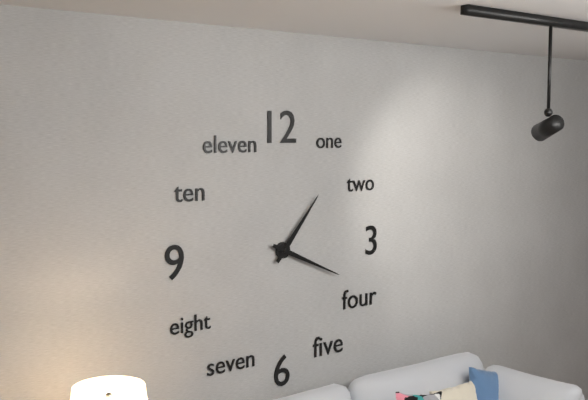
1:19
